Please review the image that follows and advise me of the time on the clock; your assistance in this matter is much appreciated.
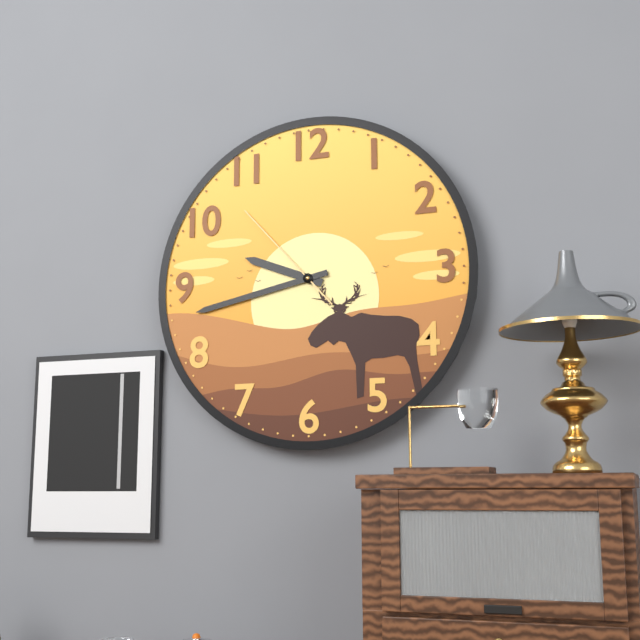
9:43:53
